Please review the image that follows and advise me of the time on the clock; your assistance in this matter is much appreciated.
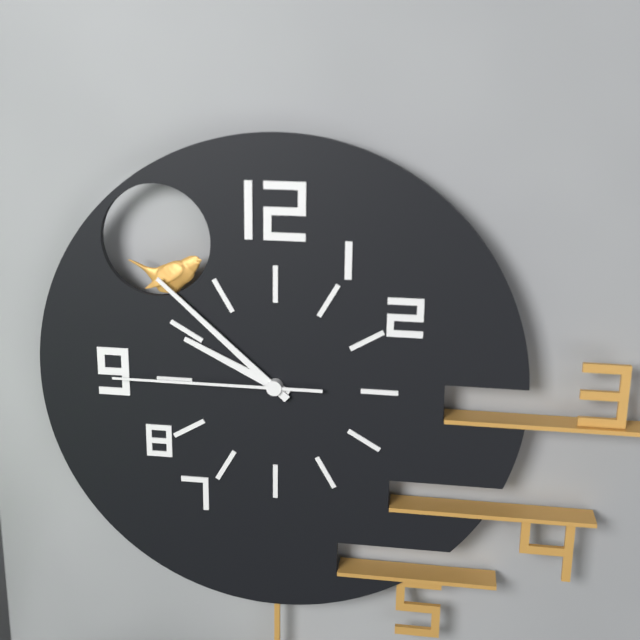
9:52:45
